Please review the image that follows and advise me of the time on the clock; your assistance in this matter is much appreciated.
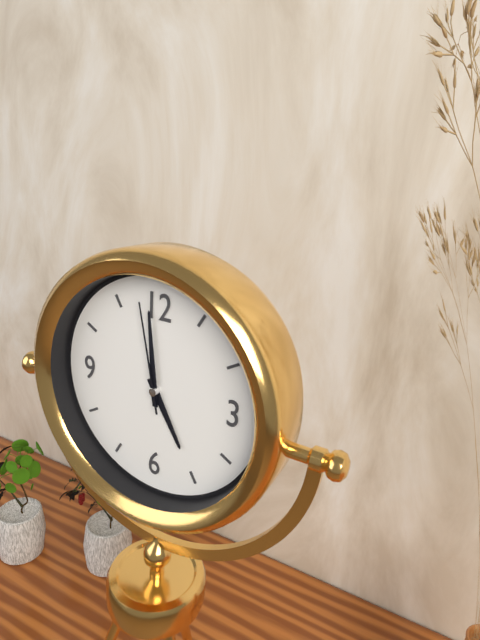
4:59:58
